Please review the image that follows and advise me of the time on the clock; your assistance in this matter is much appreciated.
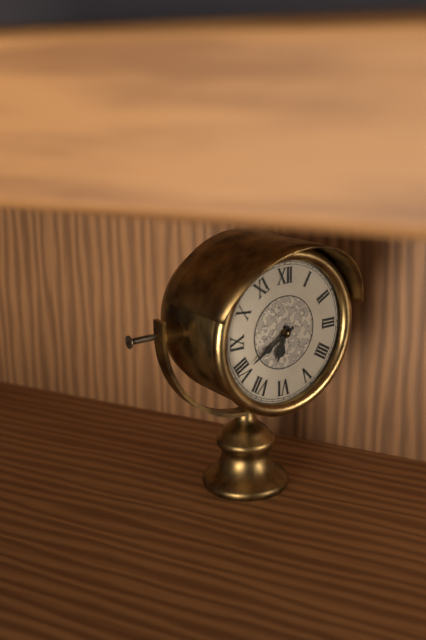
6:40
